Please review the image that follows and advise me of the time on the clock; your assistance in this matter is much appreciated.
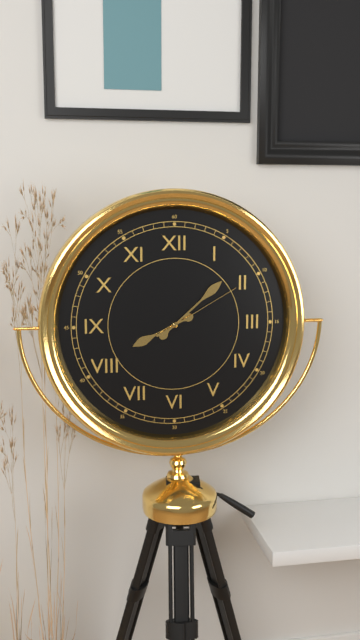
8:08:10
